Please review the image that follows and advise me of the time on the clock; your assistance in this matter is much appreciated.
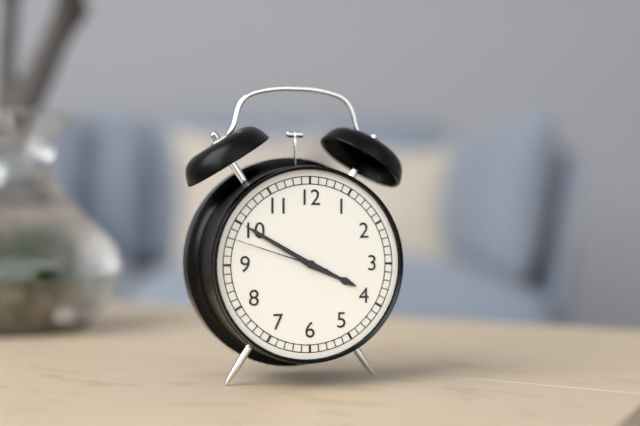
3:50:48
